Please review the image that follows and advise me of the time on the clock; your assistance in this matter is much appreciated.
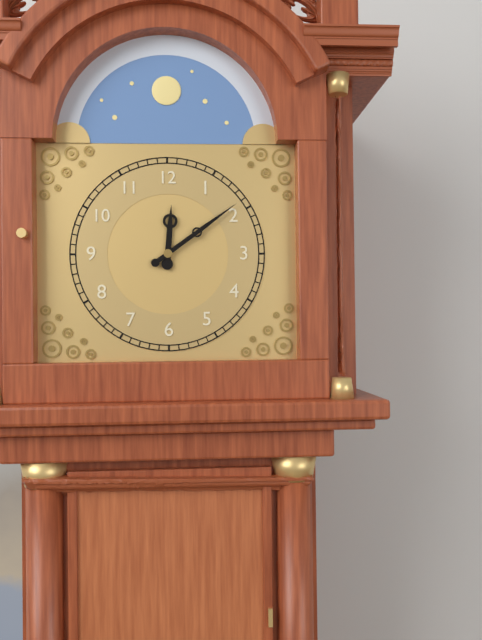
12:09
